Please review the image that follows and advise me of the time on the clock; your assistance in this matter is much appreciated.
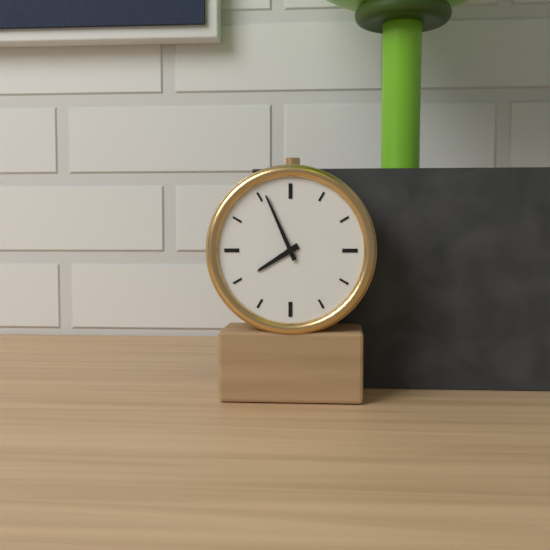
7:56
